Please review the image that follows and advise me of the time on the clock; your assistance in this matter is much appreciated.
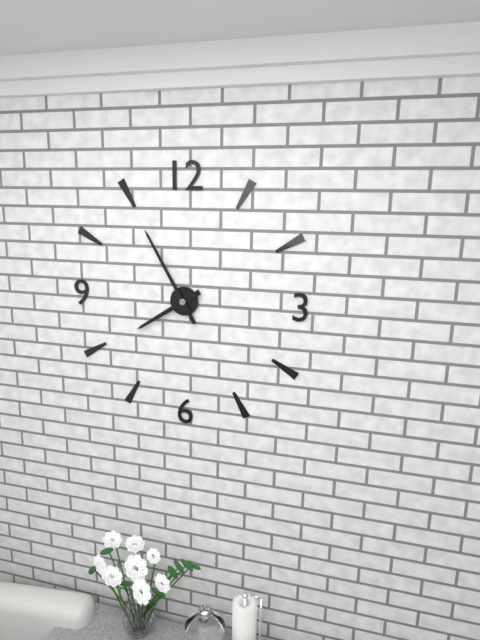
7:55
